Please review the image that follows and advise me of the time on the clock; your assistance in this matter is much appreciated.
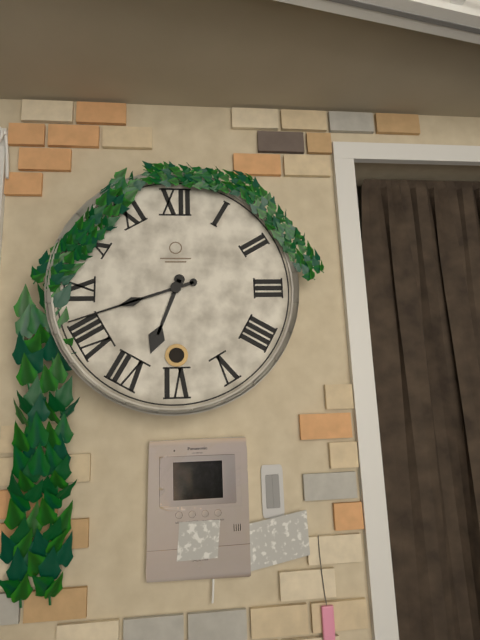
6:42
